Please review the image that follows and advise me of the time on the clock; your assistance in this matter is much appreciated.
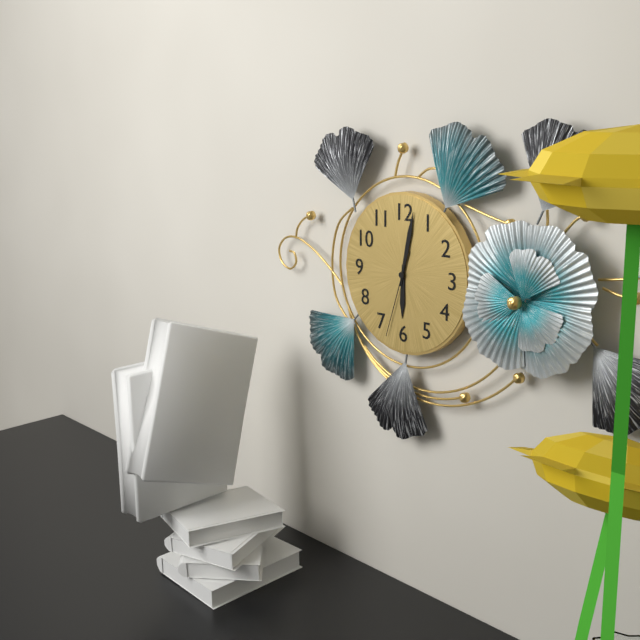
6:02:33
